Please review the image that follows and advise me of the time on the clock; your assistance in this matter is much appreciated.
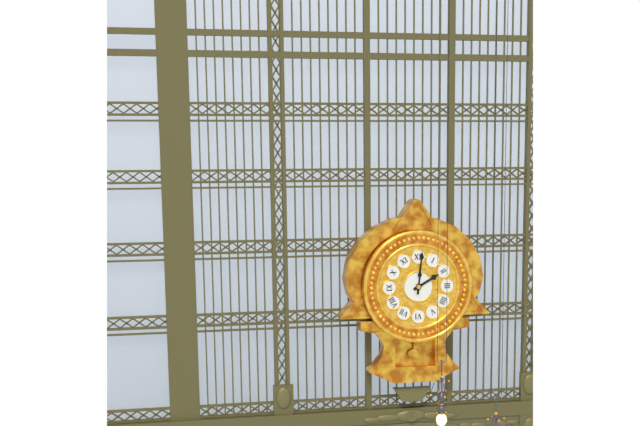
2:01
